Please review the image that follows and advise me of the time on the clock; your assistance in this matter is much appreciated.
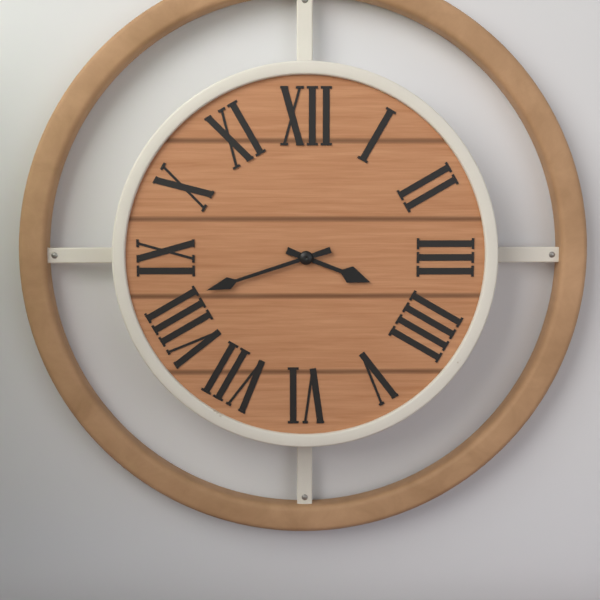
3:42
